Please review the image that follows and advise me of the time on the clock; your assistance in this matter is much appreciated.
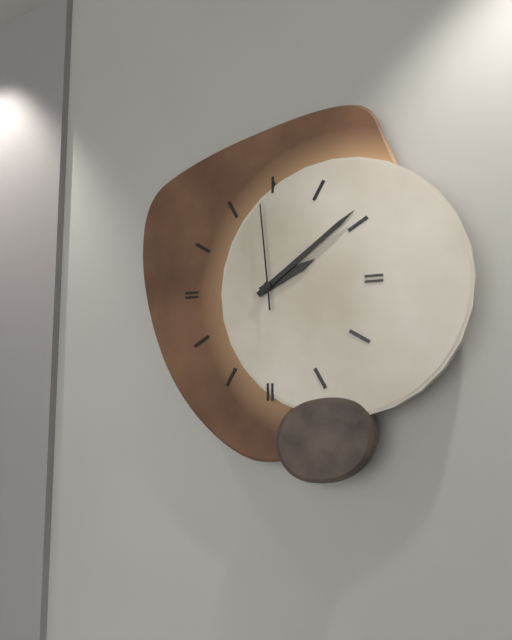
2:09:59
